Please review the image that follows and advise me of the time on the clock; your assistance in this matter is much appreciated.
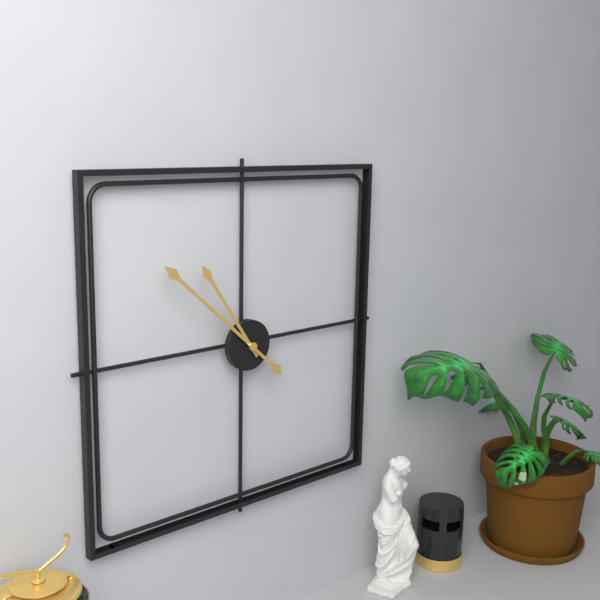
10:52
